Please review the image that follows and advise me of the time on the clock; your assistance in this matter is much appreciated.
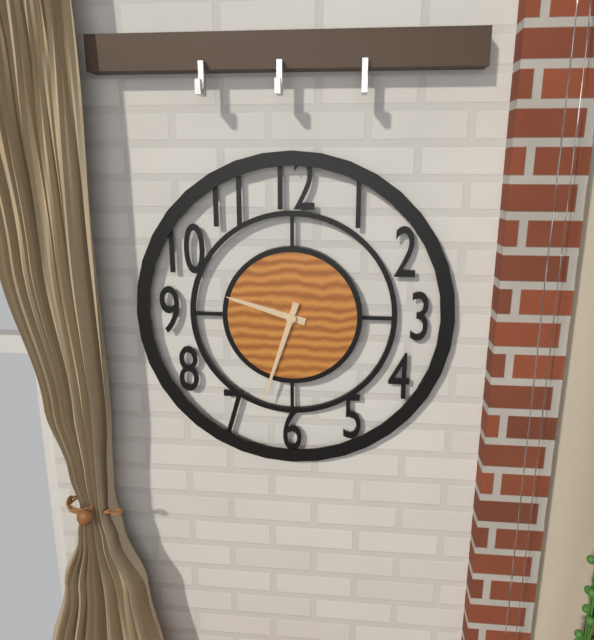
9:33
